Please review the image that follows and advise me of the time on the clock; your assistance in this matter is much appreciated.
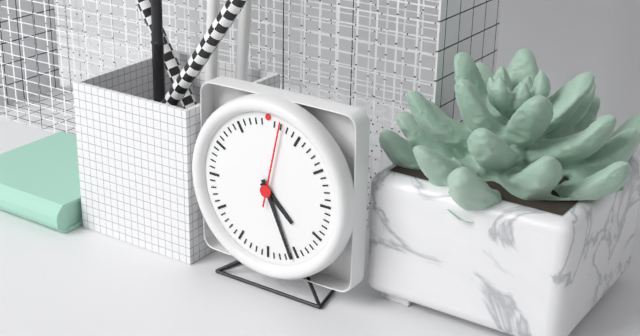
4:26:02
